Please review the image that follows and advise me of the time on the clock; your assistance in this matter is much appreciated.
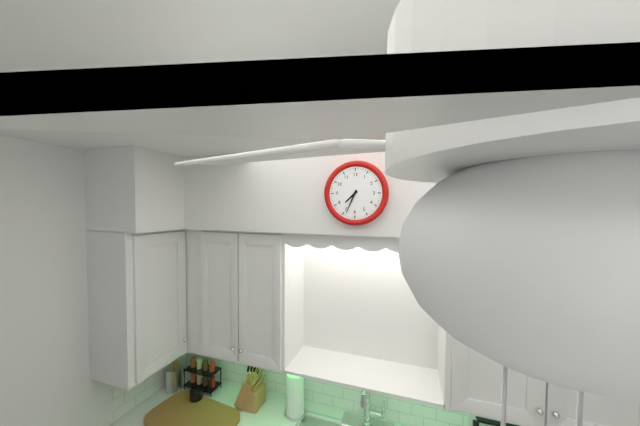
7:34
